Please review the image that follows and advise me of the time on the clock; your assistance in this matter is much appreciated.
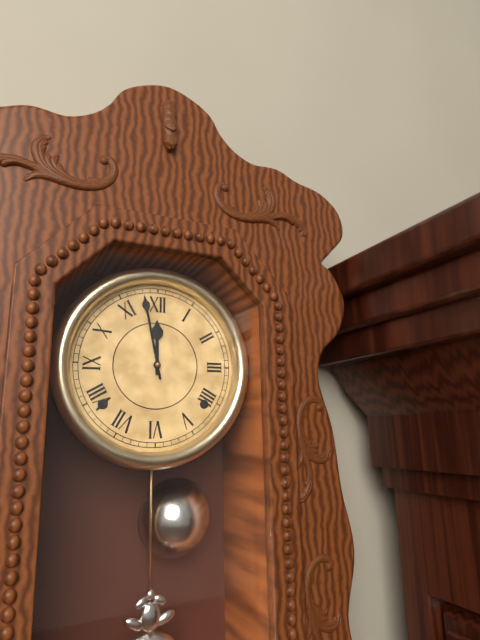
11:58
